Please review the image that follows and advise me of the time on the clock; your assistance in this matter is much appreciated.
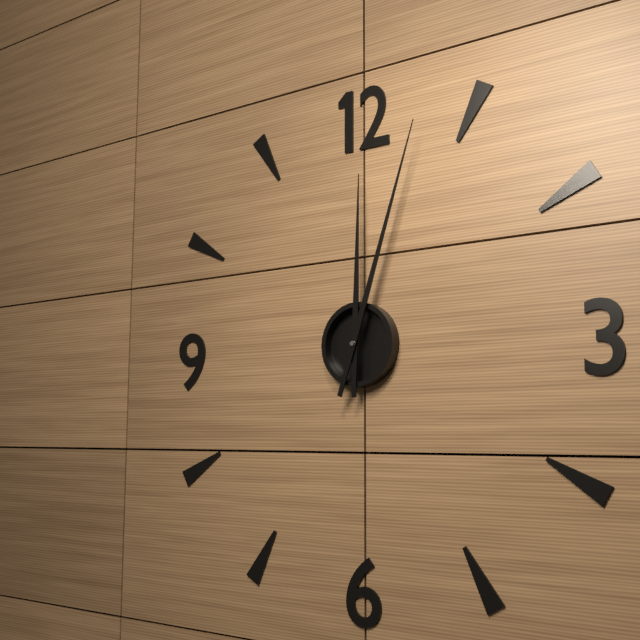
12:03
